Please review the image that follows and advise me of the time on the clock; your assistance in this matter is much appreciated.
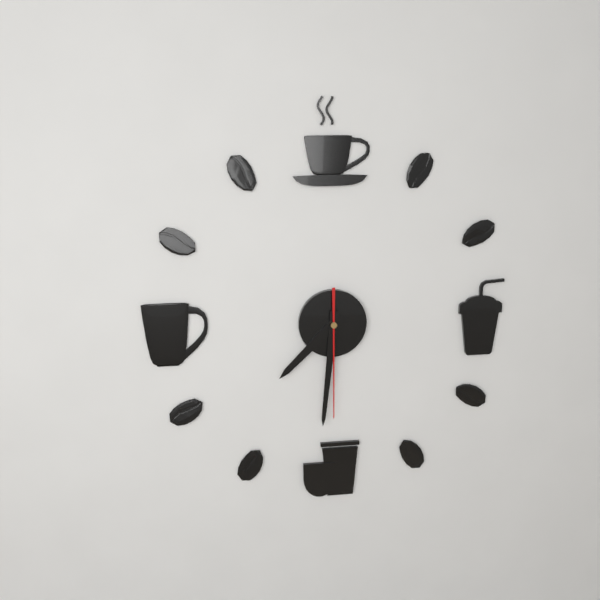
7:31:30
